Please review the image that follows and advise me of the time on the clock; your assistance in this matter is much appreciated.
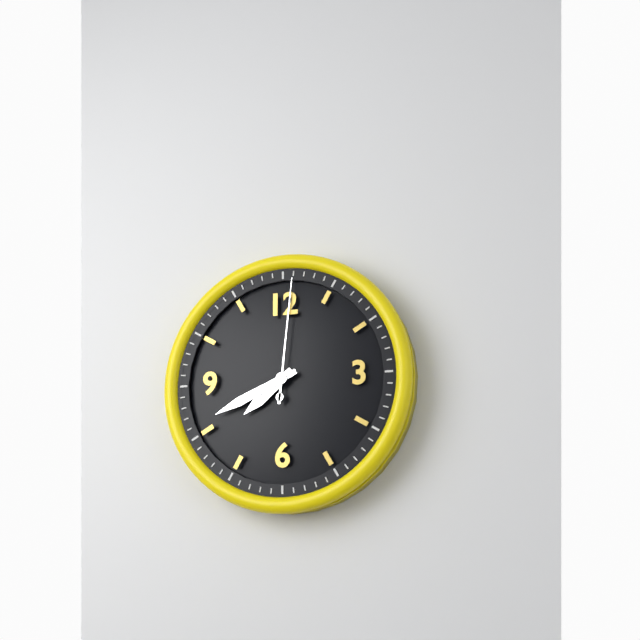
7:41:01
